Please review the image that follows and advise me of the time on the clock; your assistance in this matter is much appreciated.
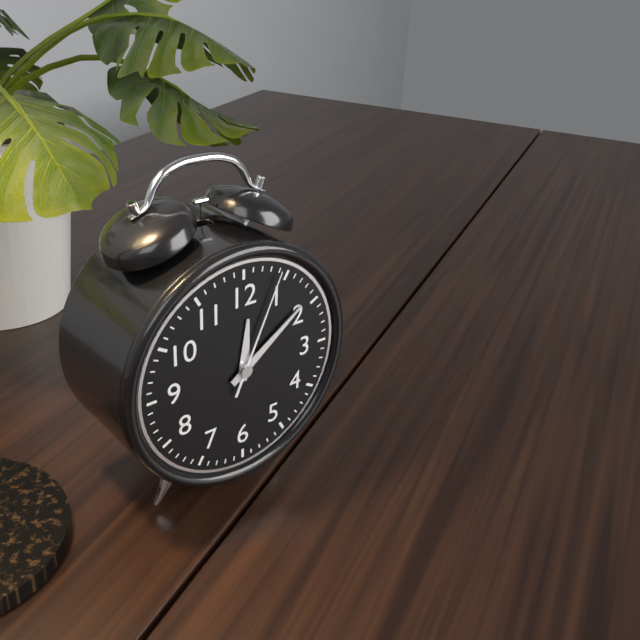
12:09:04
